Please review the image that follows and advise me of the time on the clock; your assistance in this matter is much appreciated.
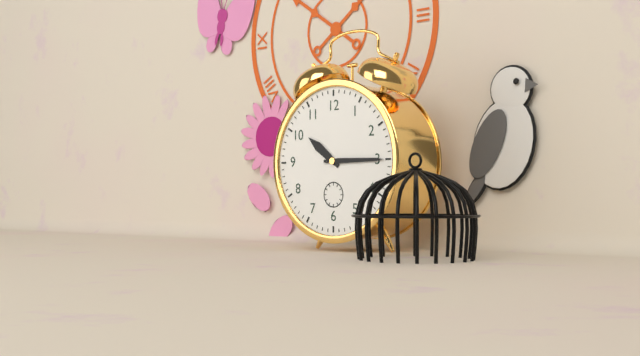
10:15
